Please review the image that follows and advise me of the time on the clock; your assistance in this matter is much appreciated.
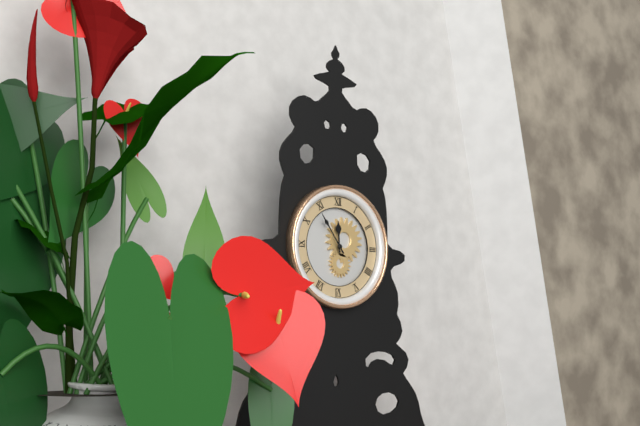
11:54
